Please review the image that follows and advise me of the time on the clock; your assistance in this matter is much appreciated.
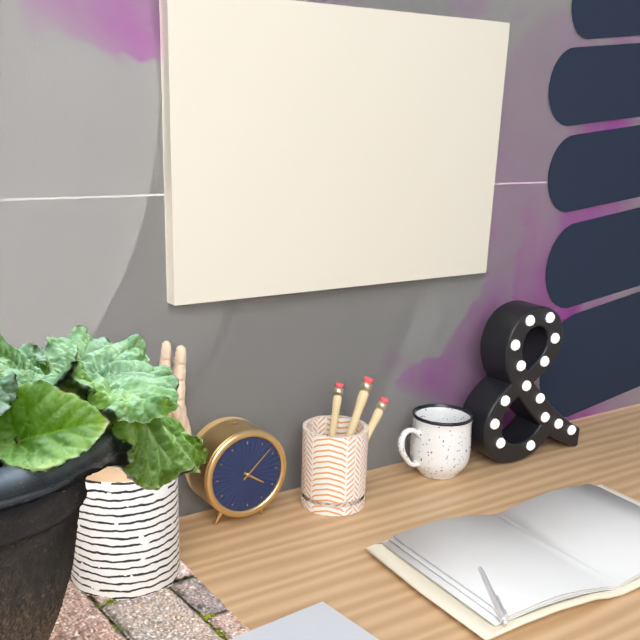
4:08
